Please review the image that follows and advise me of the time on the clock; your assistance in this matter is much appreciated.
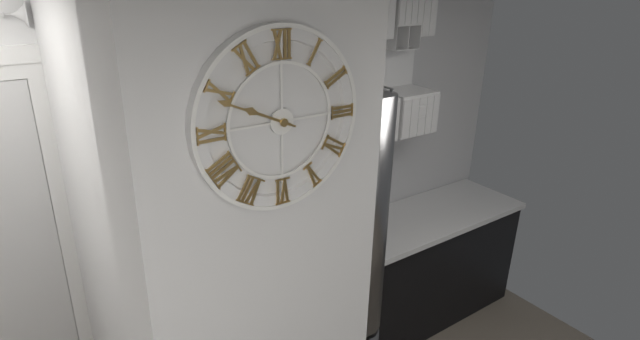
9:49
